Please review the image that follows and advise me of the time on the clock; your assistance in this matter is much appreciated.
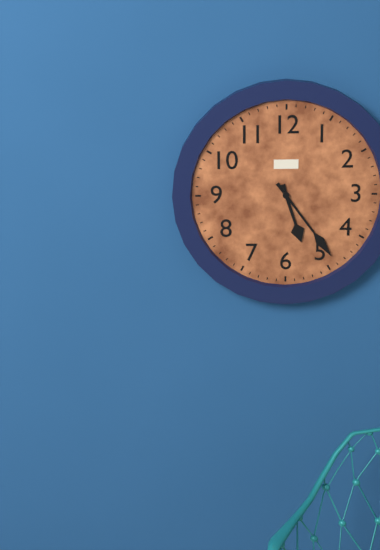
5:24
